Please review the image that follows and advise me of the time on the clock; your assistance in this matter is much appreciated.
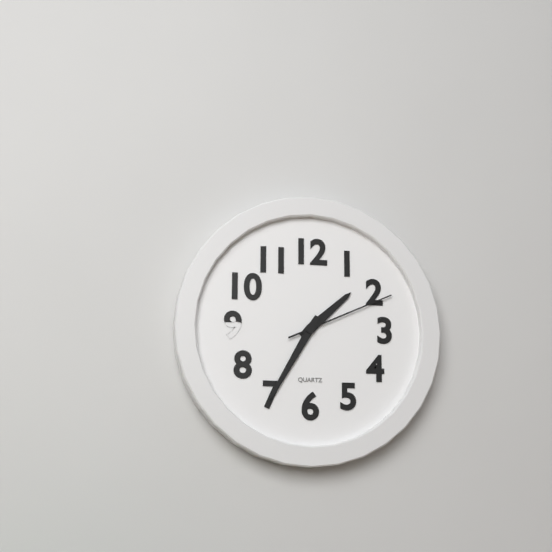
1:35:11
